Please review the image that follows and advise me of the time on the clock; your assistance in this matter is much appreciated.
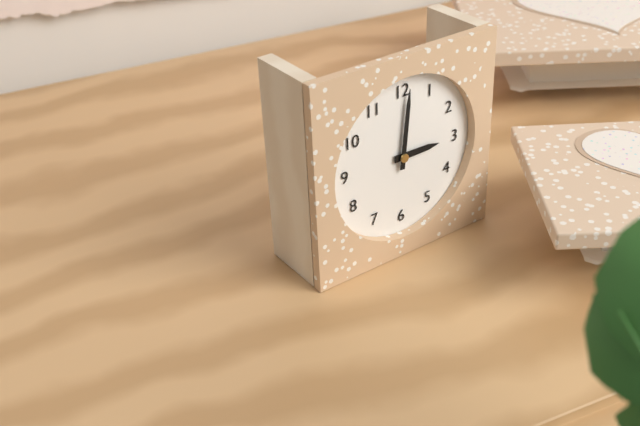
3:01
